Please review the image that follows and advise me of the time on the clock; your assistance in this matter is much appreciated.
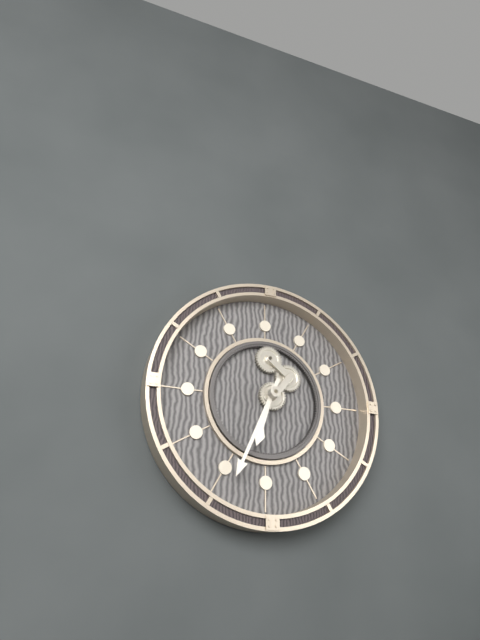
6:34
